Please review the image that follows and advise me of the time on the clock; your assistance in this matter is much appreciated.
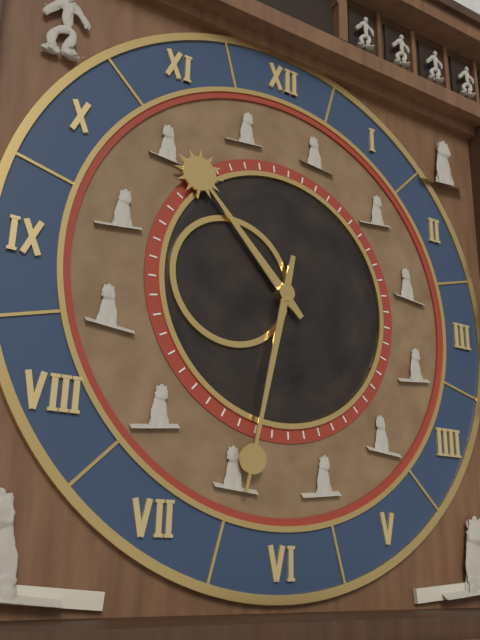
10:32
